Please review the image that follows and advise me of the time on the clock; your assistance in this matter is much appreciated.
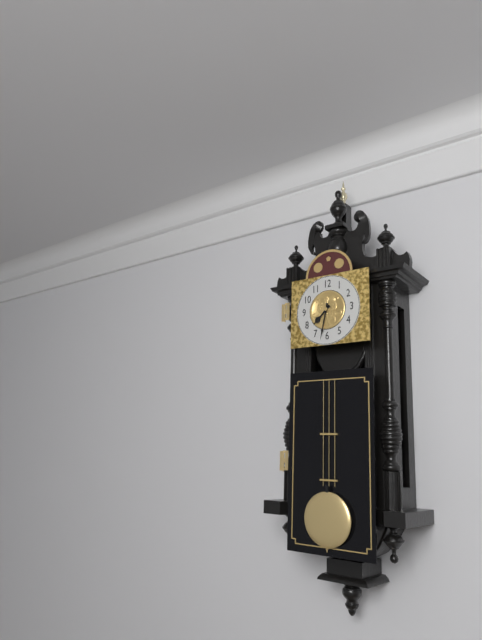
7:32
